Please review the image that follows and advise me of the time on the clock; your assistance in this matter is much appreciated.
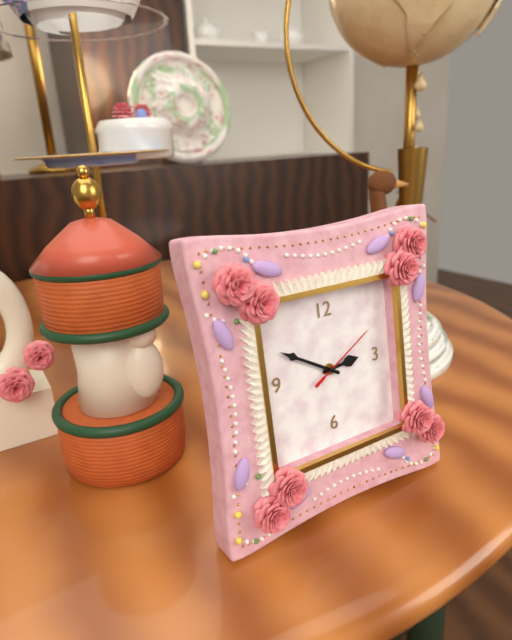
2:50:10
